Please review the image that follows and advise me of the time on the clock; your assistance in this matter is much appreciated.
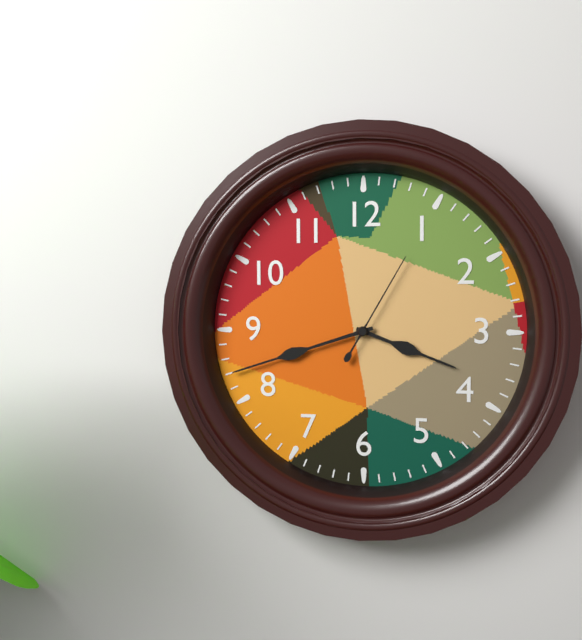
3:42:05
